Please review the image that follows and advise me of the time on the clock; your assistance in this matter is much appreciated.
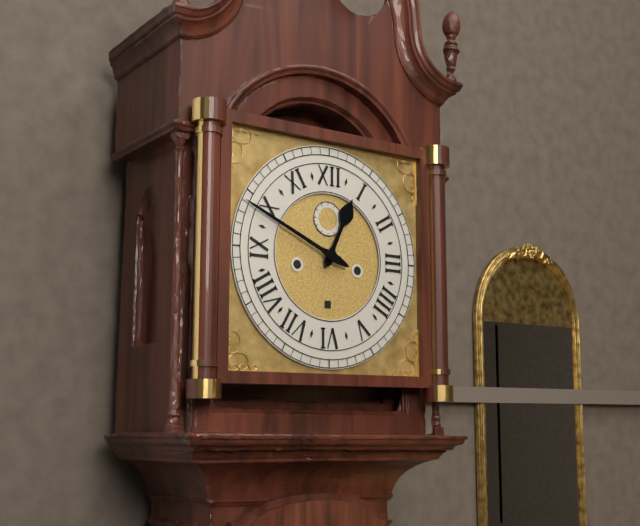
12:49
